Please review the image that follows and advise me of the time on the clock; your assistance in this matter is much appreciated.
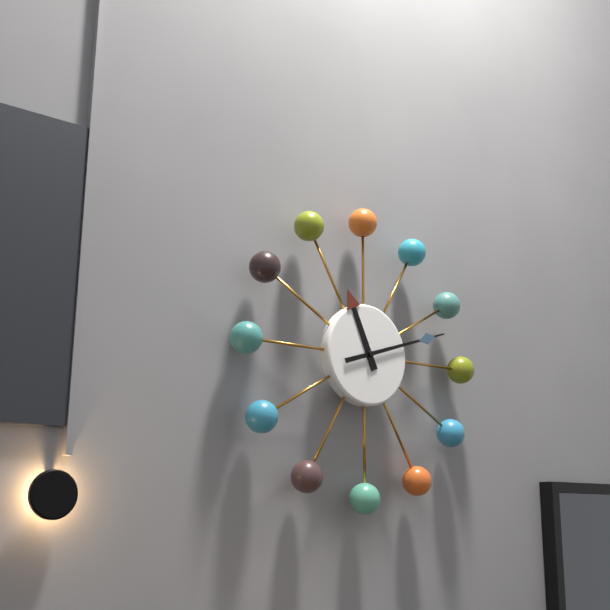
11:12
